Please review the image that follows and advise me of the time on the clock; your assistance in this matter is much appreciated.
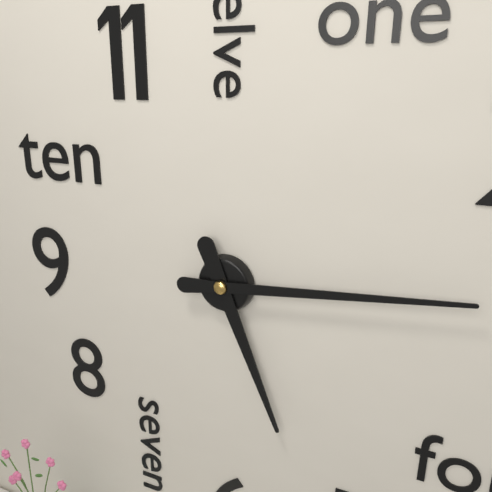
5:14
